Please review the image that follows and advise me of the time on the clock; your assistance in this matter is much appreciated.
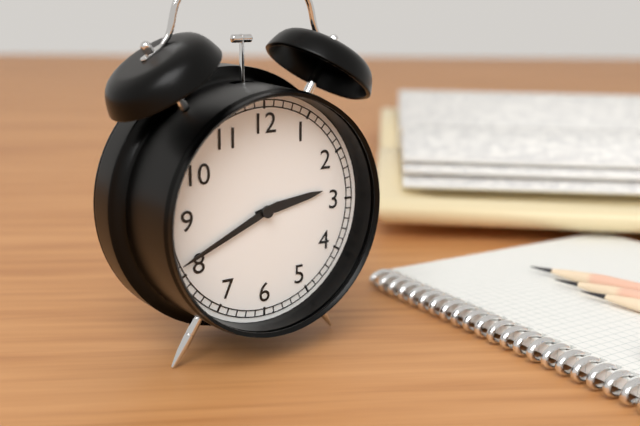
2:41
